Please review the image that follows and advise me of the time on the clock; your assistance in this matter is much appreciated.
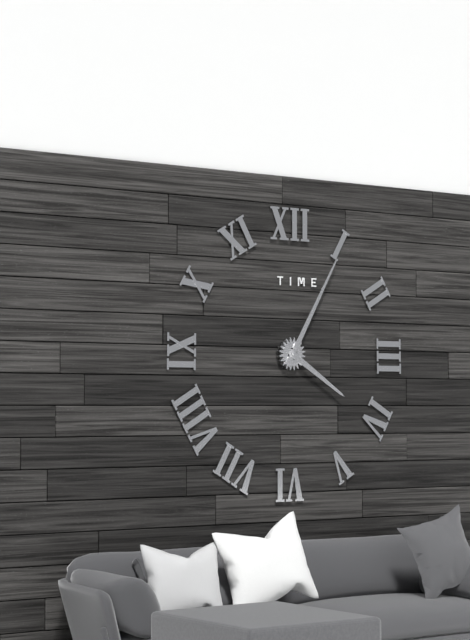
4:05
